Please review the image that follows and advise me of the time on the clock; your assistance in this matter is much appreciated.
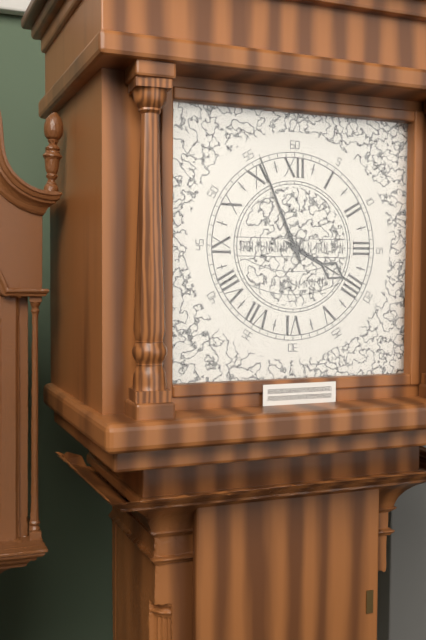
3:56
